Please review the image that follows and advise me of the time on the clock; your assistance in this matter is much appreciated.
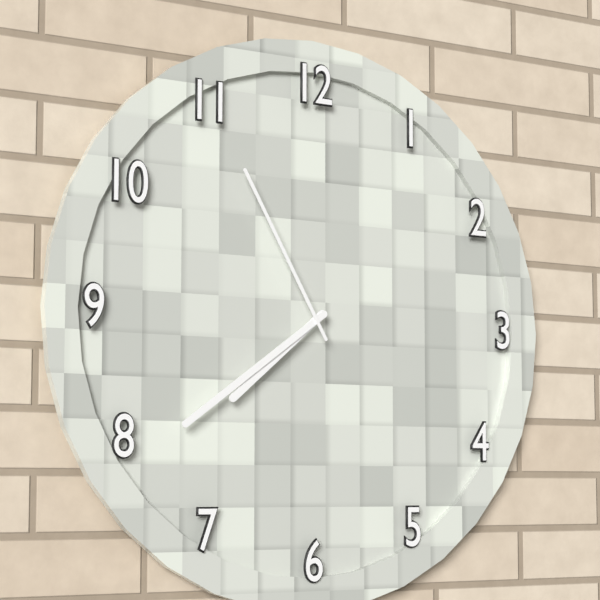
7:39:55
